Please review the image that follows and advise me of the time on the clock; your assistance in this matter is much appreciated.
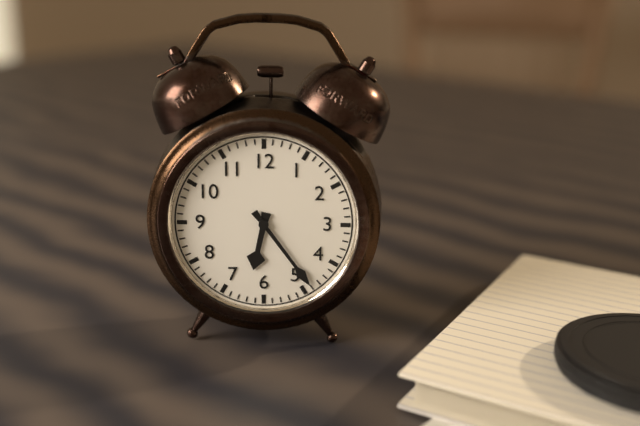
6:24
